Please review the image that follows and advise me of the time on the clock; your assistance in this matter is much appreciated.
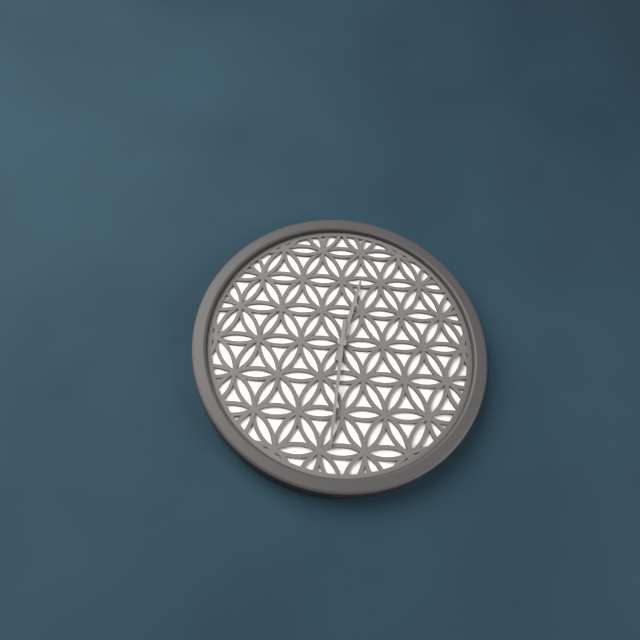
12:31
